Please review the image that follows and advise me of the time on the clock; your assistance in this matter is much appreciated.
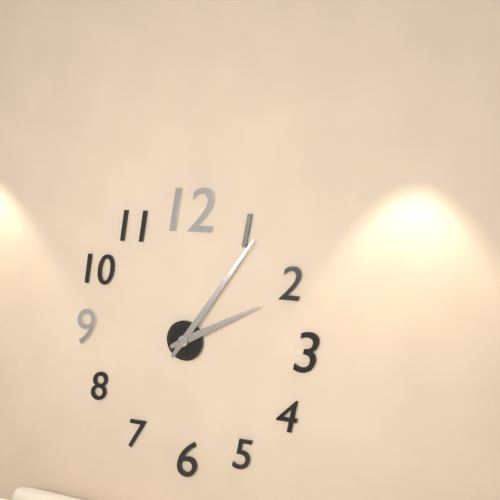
2:06
